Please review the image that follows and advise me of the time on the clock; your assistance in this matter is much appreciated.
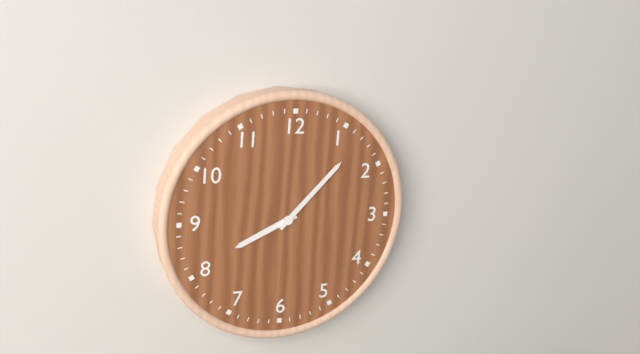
8:07
